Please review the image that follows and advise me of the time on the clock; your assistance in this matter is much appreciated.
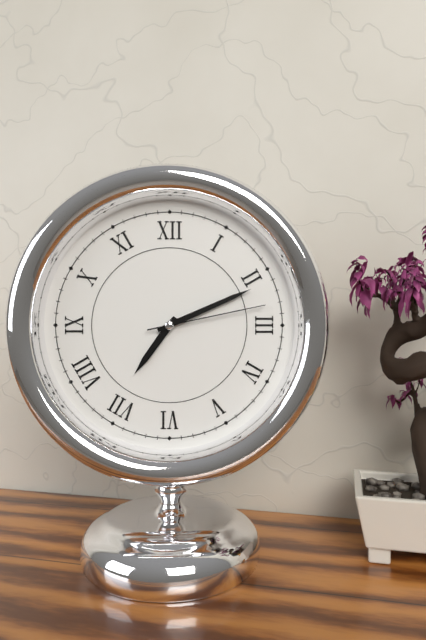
7:11:13
